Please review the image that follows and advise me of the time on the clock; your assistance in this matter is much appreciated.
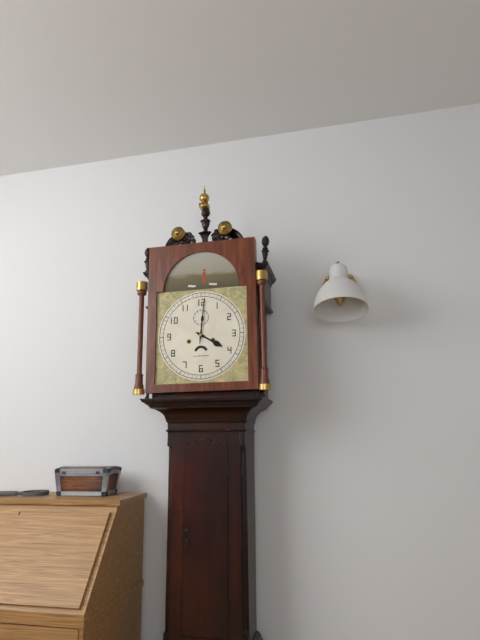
4:01
